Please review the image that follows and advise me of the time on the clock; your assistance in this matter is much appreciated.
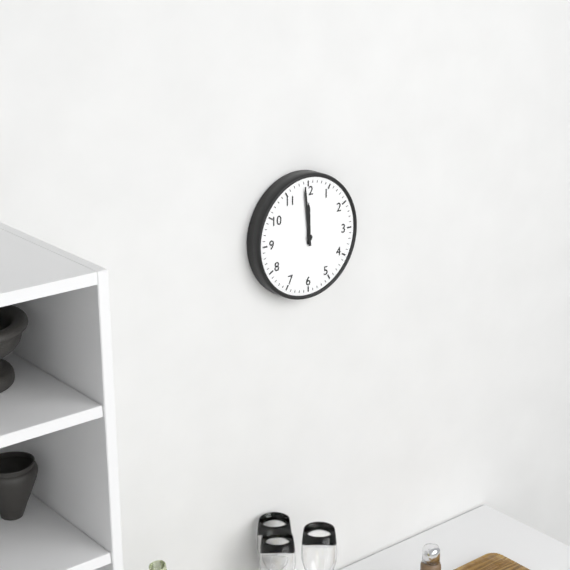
11:59
